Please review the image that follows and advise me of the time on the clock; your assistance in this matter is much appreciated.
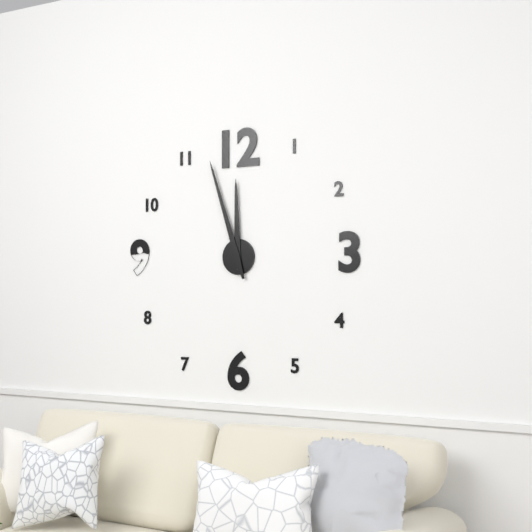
11:57
